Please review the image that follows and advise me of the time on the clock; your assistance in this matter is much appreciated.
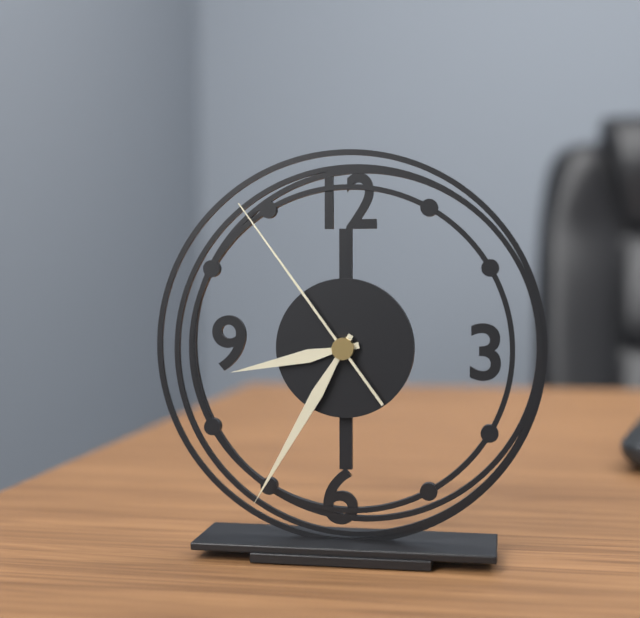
8:35:54
